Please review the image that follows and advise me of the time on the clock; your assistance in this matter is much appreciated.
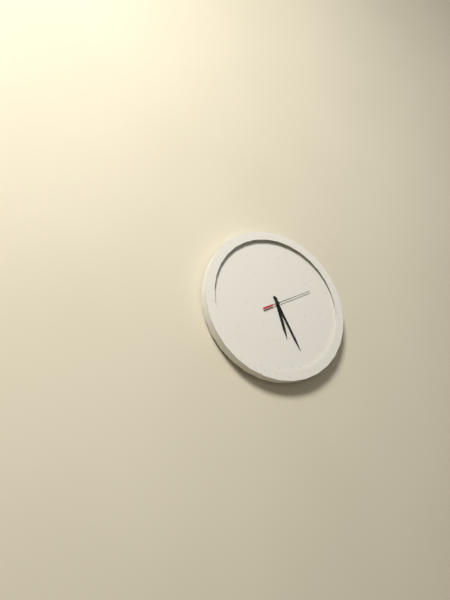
5:25:10
